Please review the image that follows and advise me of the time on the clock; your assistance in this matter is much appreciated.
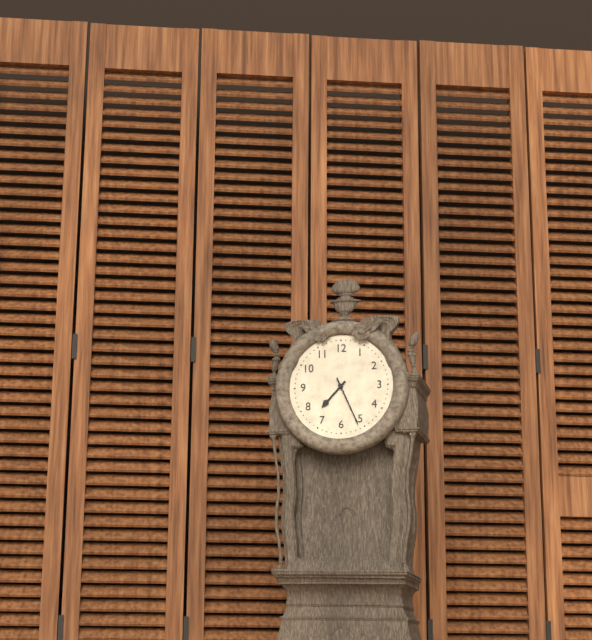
7:26
